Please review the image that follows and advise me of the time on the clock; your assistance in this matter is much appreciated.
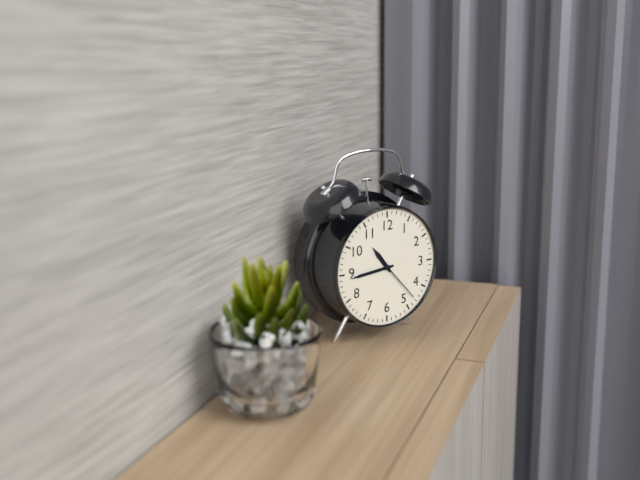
10:44:23
